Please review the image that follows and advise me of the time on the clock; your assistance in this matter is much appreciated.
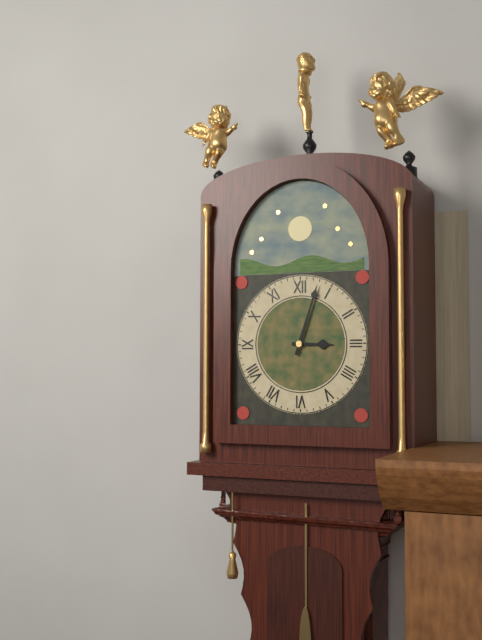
3:03
